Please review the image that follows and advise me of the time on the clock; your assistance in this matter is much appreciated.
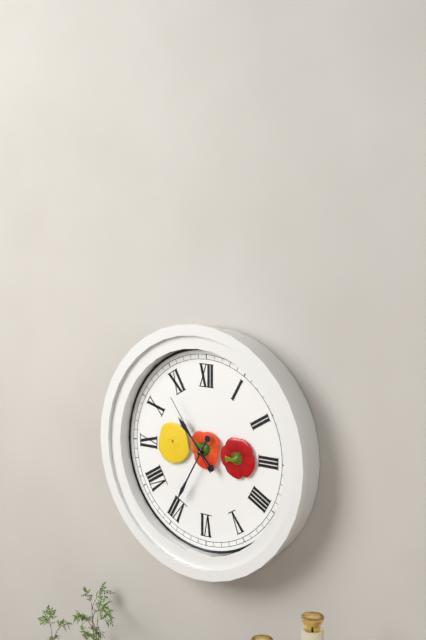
10:35:54
